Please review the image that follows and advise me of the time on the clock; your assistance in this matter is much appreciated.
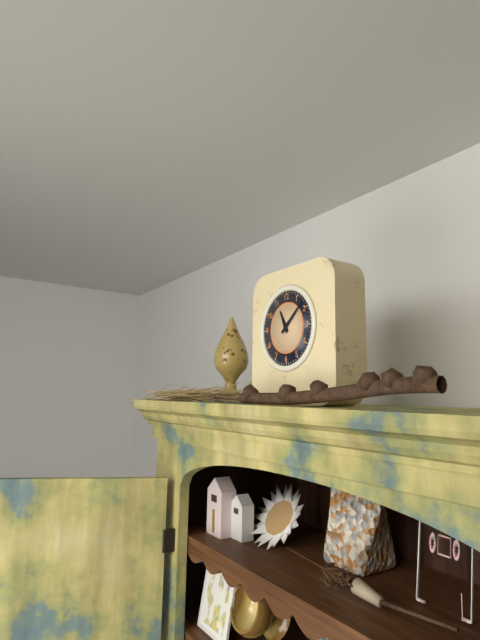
11:08
